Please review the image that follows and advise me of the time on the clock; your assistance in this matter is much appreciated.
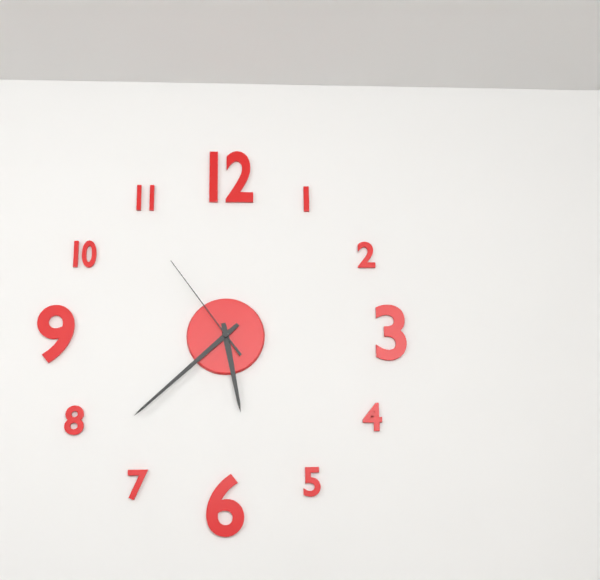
5:38:54
